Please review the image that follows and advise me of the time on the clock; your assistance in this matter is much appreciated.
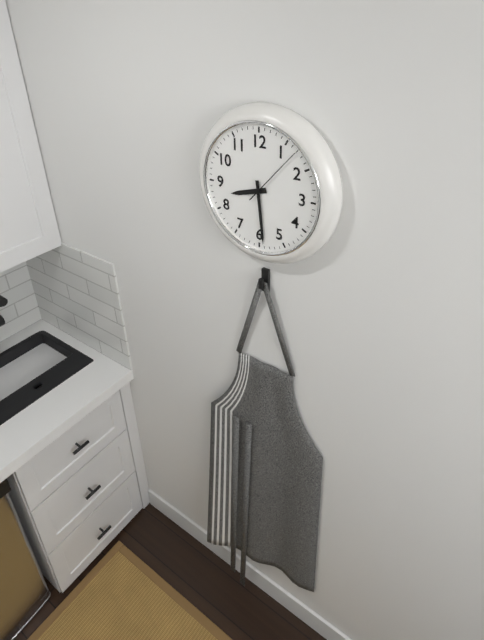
8:29
